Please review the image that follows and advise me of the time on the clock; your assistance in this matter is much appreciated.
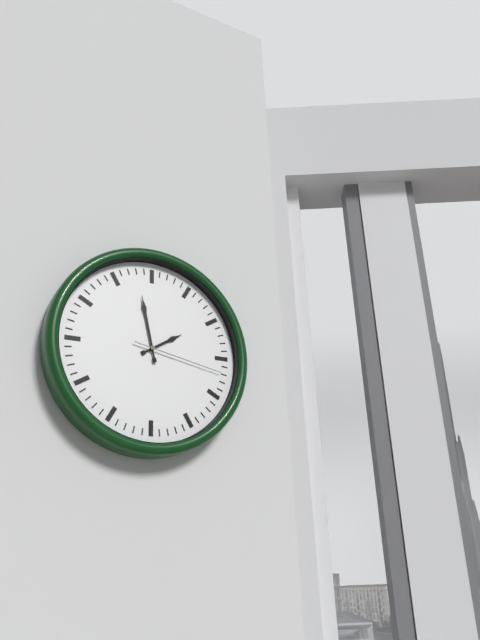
1:58:17
